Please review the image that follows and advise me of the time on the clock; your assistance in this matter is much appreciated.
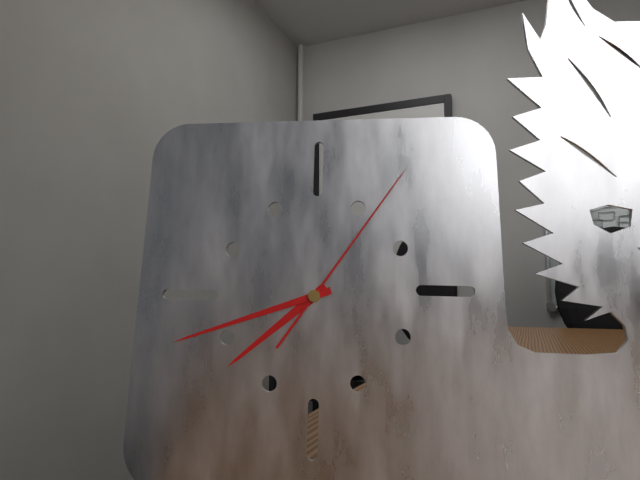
7:42:06
